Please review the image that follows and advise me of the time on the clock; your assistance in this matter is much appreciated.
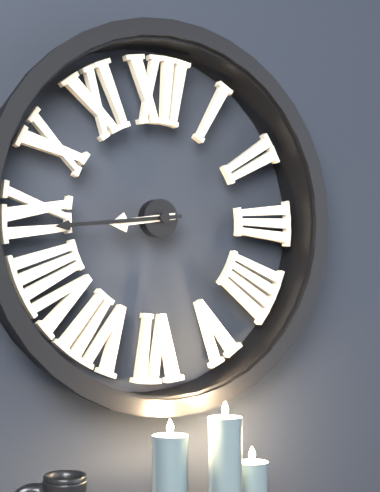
8:44
